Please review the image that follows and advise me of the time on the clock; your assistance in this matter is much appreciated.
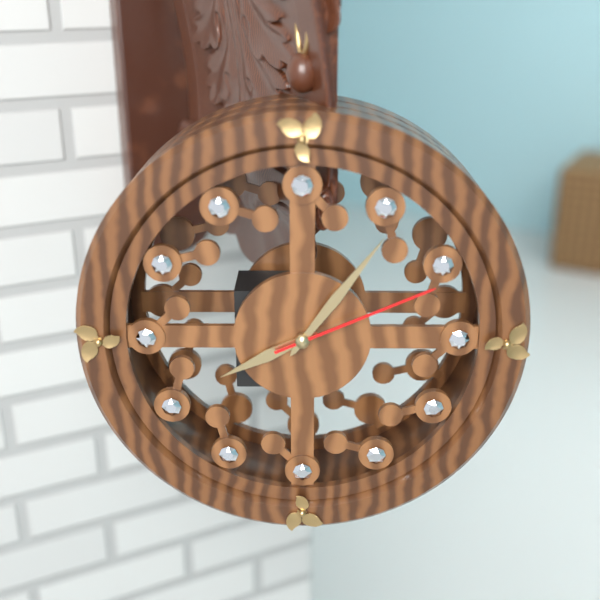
8:06:11
